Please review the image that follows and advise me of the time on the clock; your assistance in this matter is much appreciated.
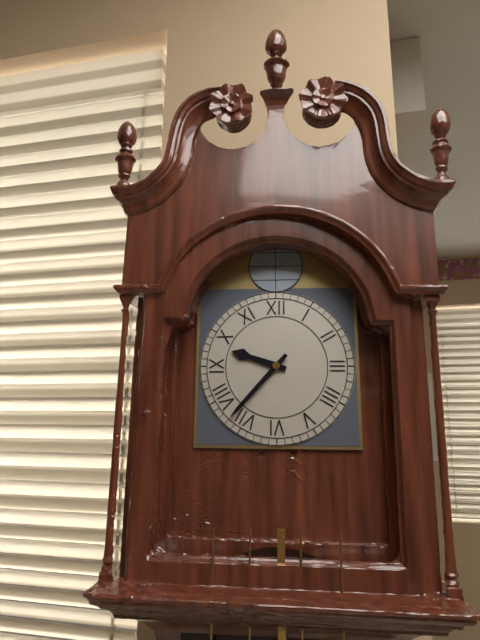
9:37
